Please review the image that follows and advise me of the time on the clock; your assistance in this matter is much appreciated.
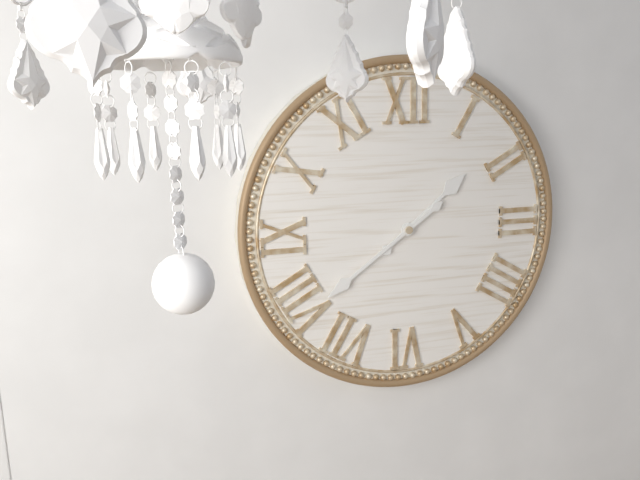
1:39
